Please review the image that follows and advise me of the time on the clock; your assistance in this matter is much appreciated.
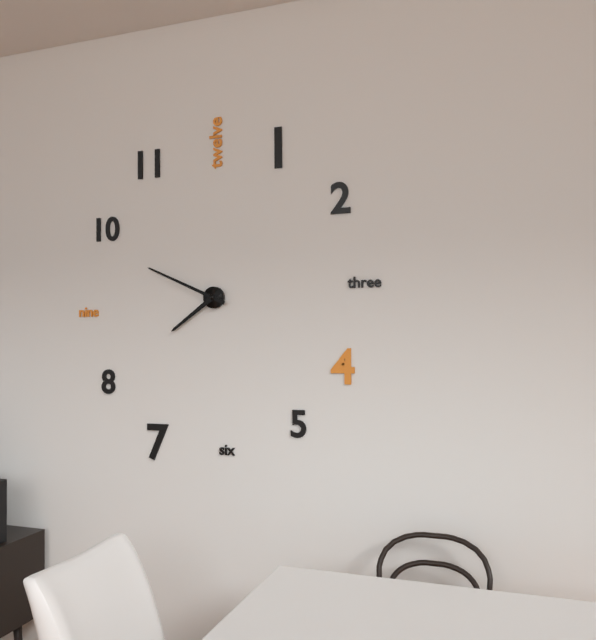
7:49
